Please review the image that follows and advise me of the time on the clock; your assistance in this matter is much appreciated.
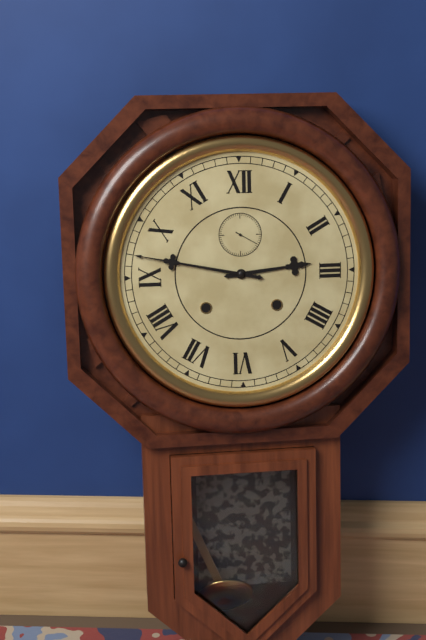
2:47
